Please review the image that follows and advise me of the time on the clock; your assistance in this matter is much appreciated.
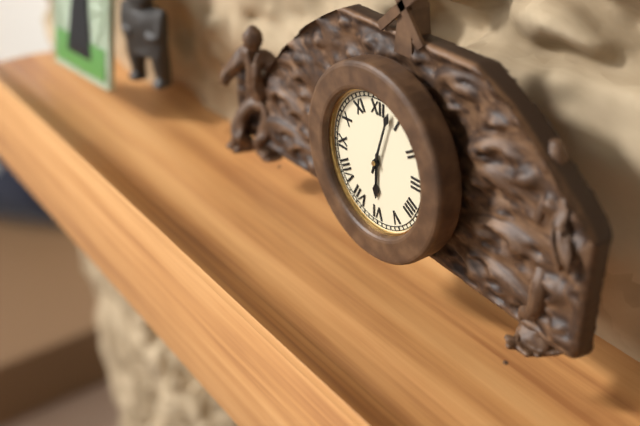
6:03
